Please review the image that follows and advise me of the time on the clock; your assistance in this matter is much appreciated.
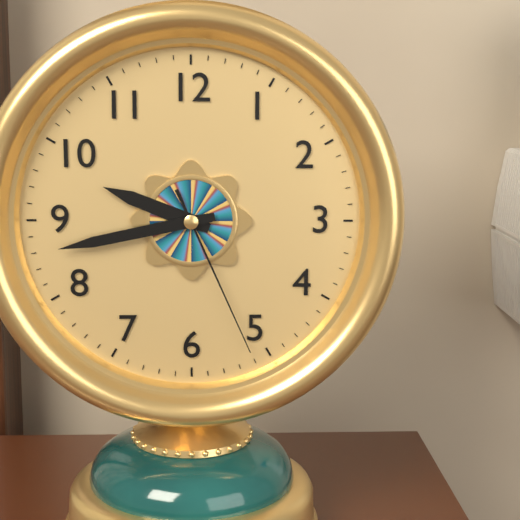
9:43:26
